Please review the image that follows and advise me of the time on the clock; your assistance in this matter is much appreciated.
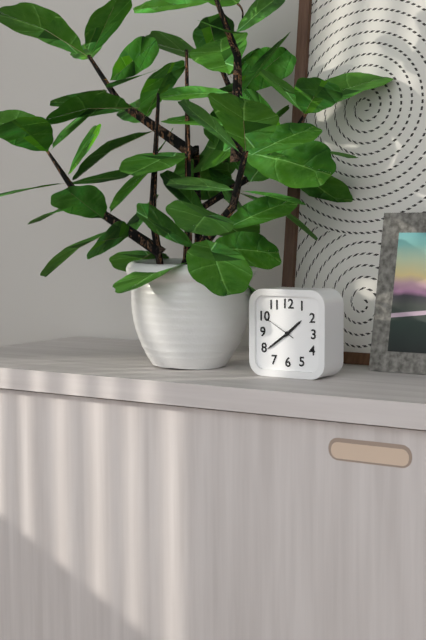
1:39
